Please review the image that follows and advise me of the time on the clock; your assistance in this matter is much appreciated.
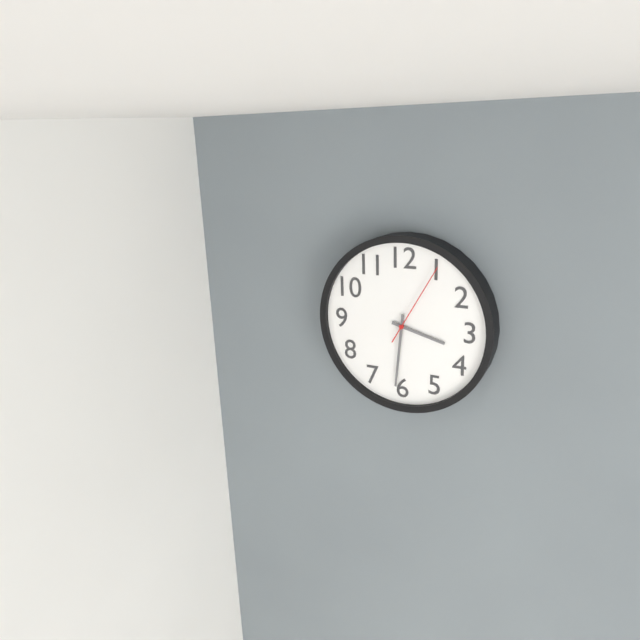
3:31:05
